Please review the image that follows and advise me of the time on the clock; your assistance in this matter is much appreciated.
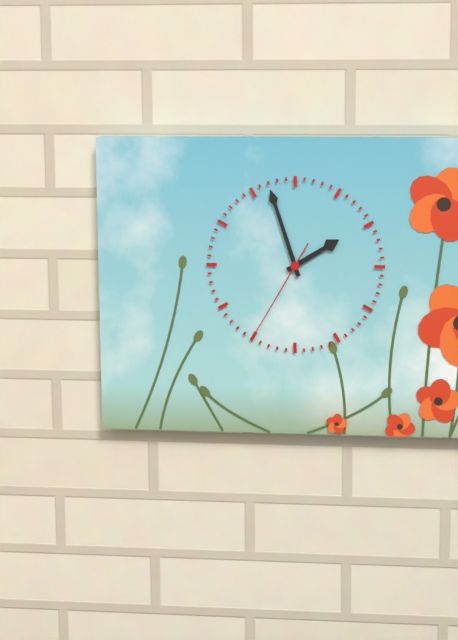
1:57:35
